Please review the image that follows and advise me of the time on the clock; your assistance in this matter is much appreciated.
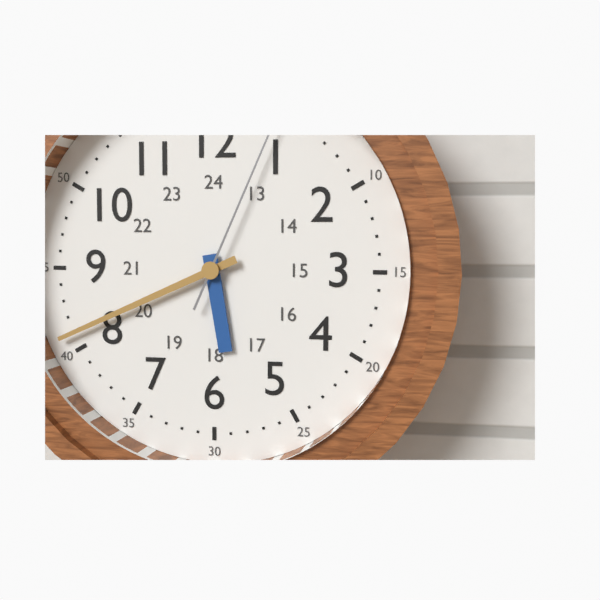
5:41:04
